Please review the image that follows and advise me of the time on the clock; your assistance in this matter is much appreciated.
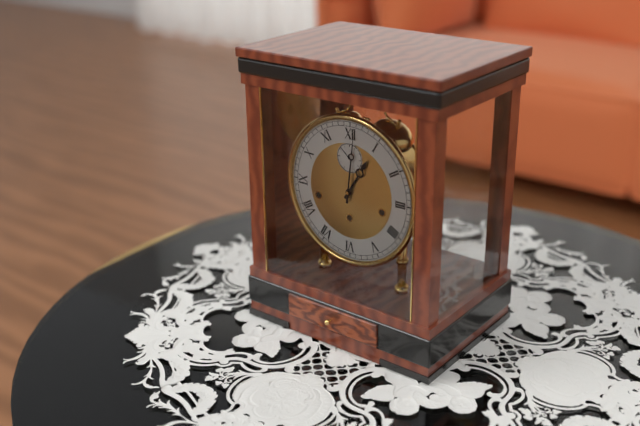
1:01
